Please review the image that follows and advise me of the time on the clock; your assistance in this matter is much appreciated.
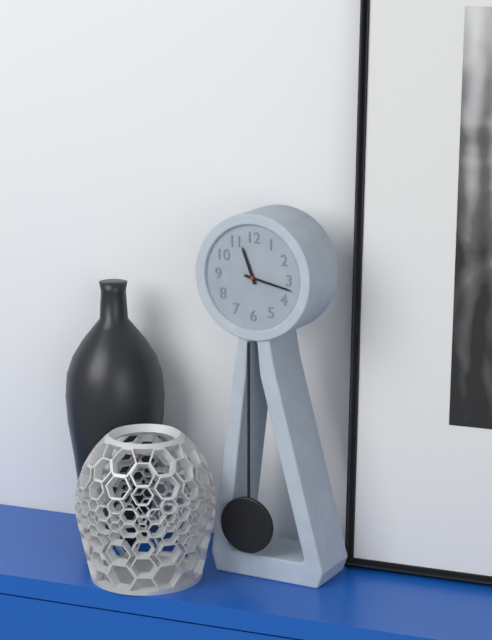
11:17
